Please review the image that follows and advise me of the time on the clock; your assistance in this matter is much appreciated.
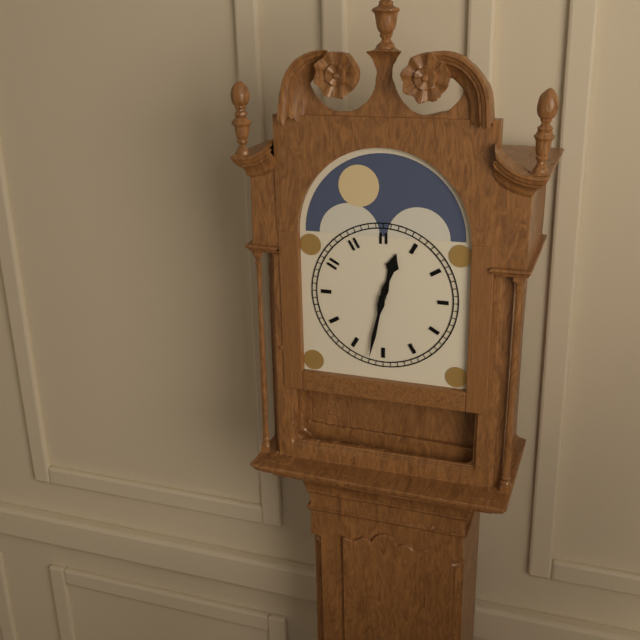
12:32
